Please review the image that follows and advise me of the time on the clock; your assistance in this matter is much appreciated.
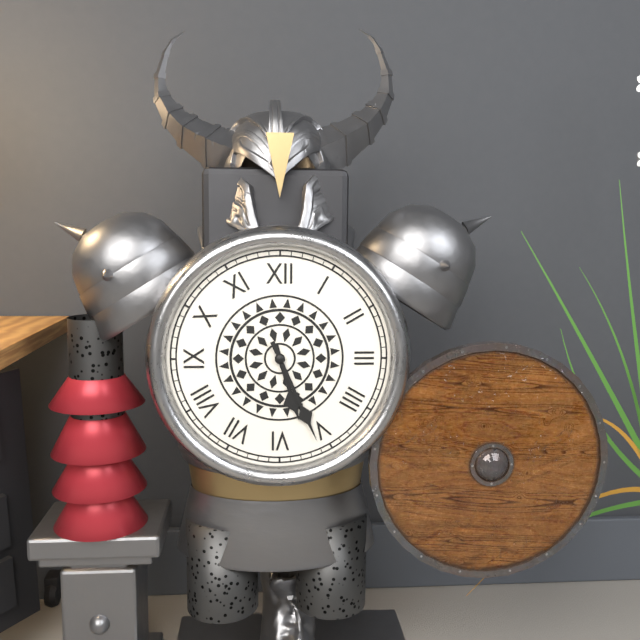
5:26
